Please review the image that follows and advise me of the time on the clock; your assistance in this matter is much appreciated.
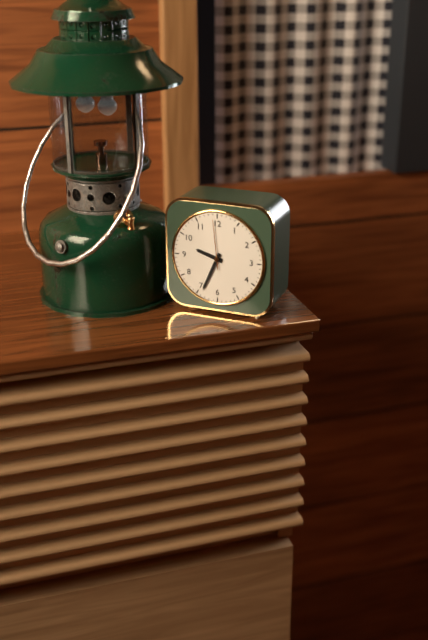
9:34
